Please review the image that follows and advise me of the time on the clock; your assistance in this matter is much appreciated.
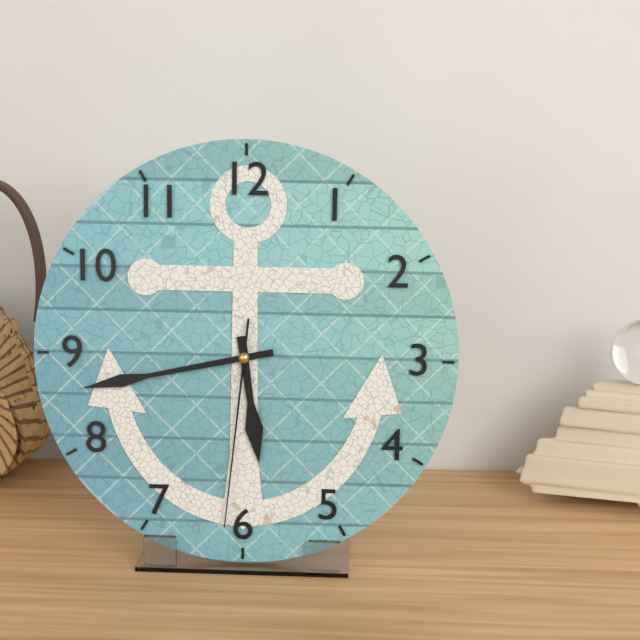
5:43:31
